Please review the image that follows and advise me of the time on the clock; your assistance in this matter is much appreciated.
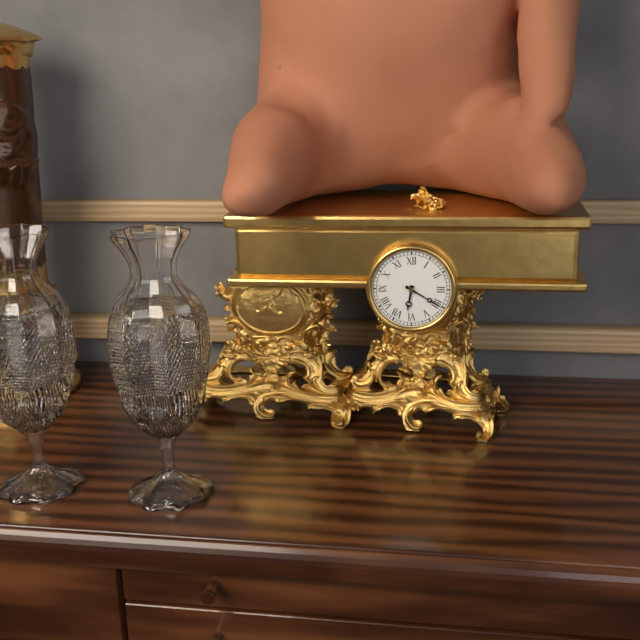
6:20
